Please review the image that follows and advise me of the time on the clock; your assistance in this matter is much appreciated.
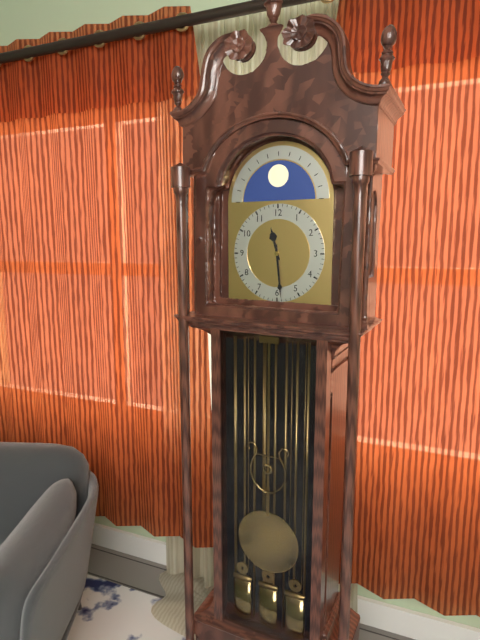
11:29
